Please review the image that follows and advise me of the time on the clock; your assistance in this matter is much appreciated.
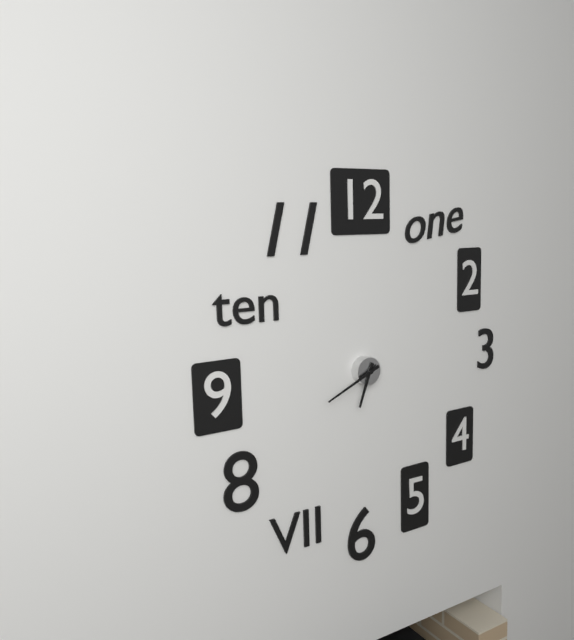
6:41
